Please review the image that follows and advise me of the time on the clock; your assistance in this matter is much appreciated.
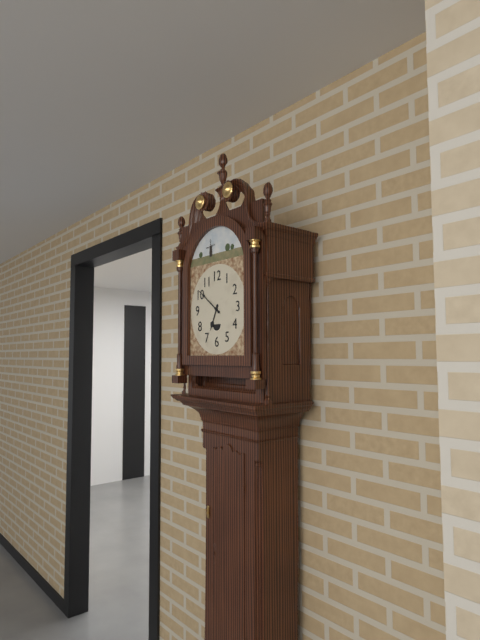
6:51
